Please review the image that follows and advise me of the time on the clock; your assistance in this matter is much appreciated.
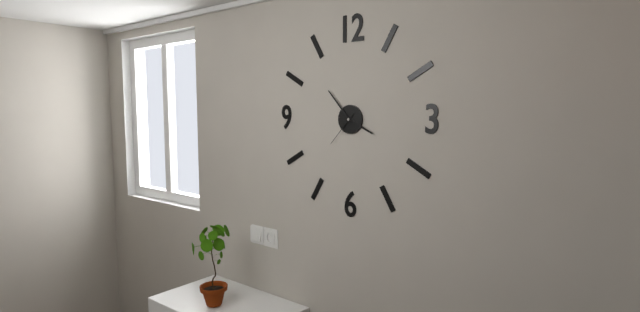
3:53
